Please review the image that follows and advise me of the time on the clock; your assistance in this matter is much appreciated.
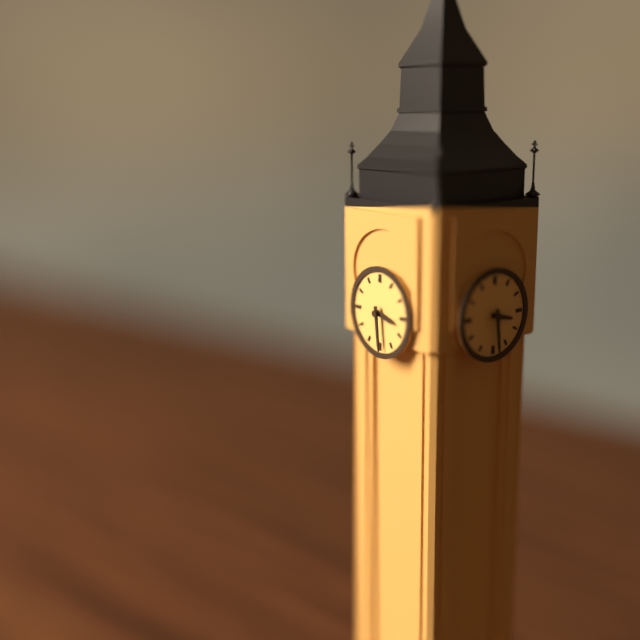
3:29
